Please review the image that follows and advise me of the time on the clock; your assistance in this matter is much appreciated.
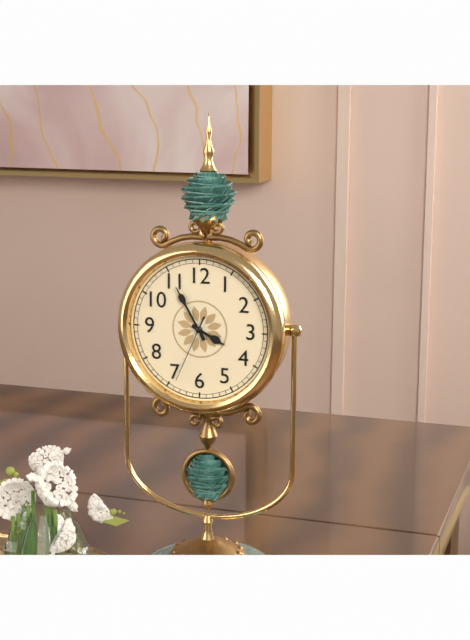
3:55:34
